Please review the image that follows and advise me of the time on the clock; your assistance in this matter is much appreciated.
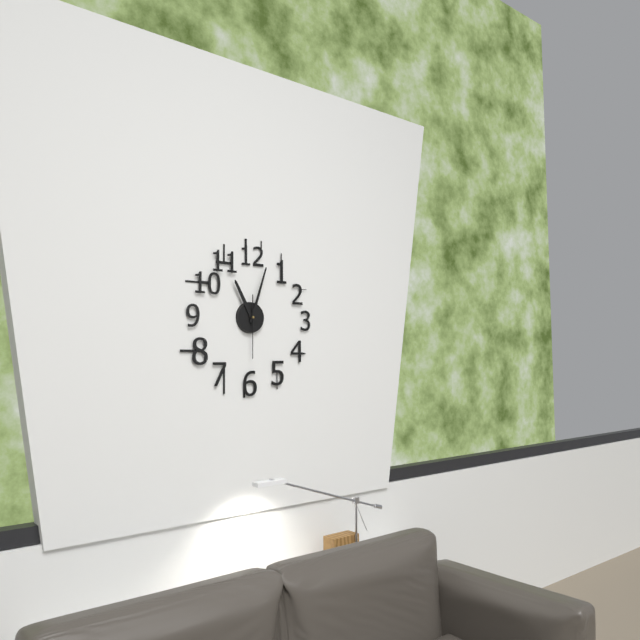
11:03:30
